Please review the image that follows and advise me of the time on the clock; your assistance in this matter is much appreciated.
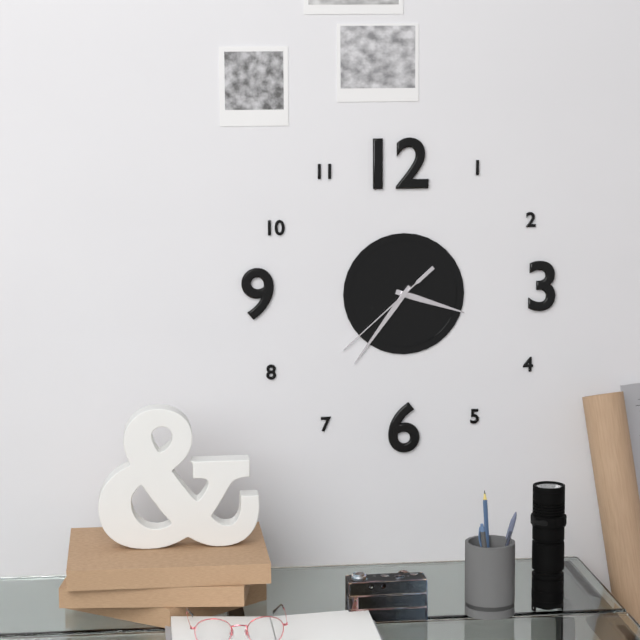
3:36:38
